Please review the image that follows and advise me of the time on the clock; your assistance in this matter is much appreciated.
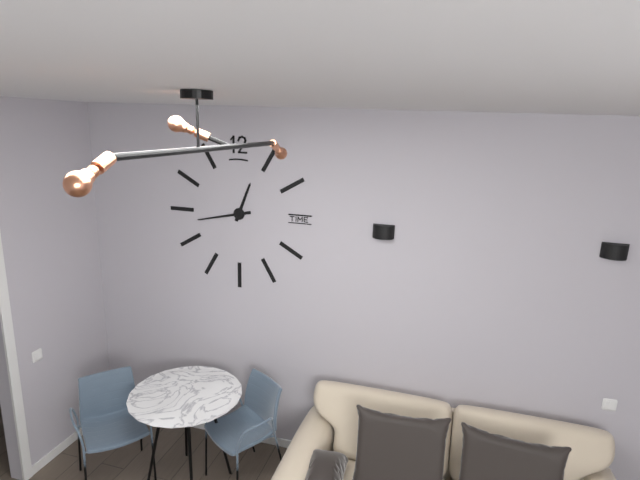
12:43
